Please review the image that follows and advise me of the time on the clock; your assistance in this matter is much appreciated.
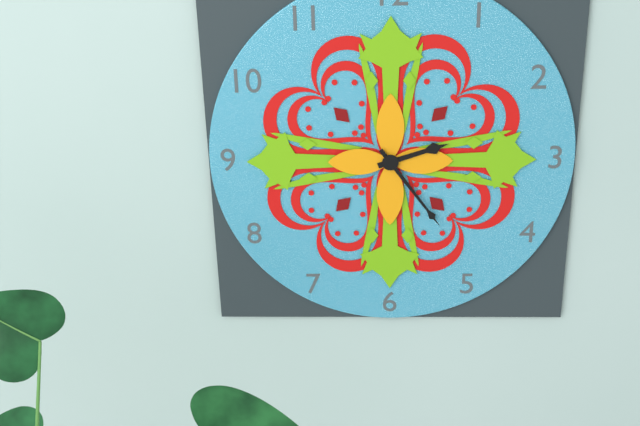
2:24
